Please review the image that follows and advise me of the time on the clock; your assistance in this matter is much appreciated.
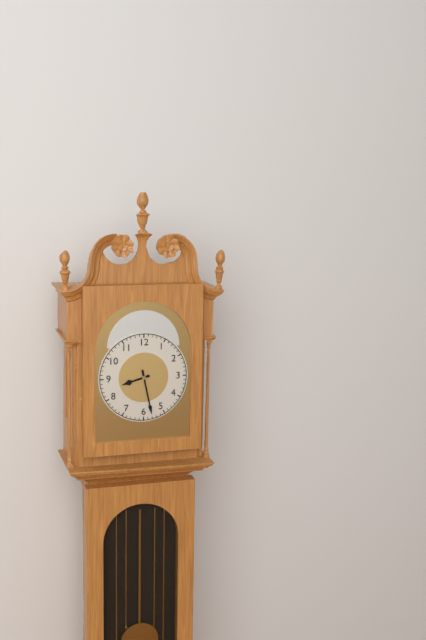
8:28
